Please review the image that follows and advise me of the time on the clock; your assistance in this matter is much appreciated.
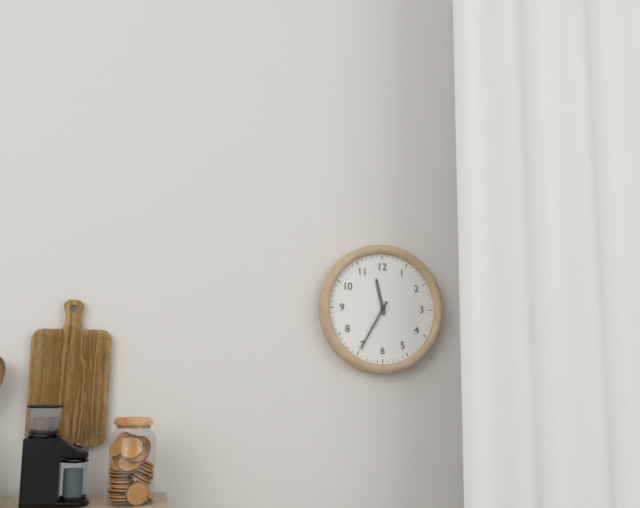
11:35
